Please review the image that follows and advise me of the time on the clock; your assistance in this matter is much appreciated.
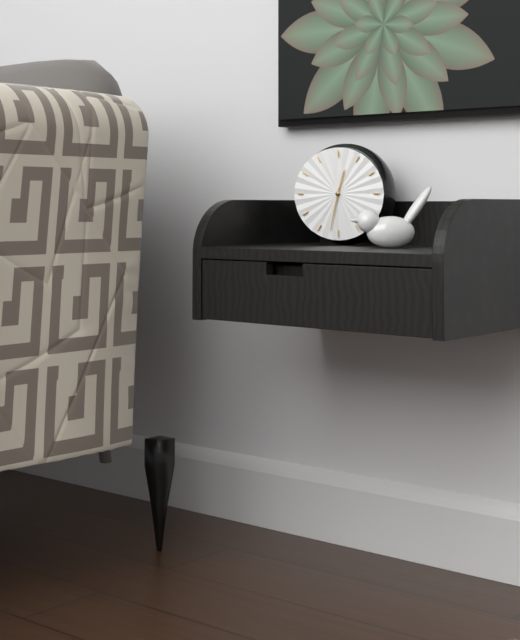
12:32
